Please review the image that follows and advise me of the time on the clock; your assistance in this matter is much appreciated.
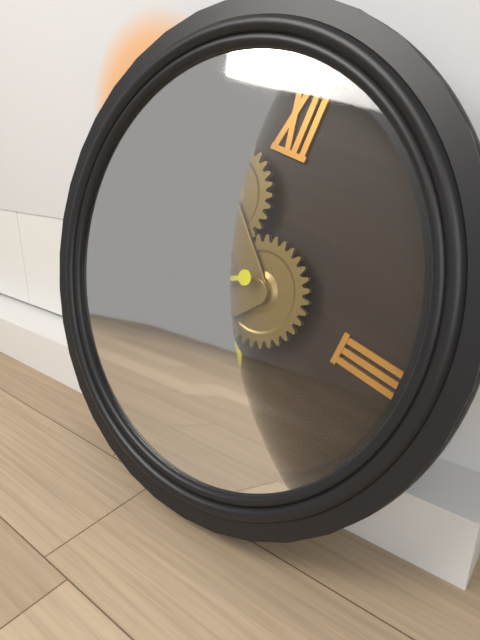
4:40
